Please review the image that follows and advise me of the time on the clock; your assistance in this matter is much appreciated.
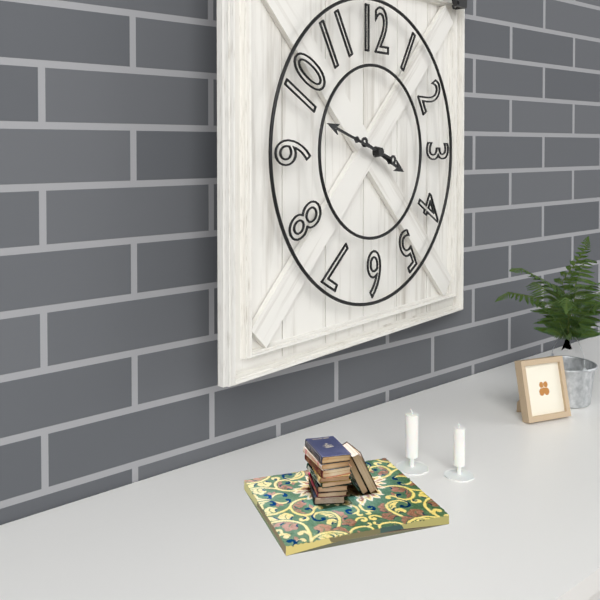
3:48
